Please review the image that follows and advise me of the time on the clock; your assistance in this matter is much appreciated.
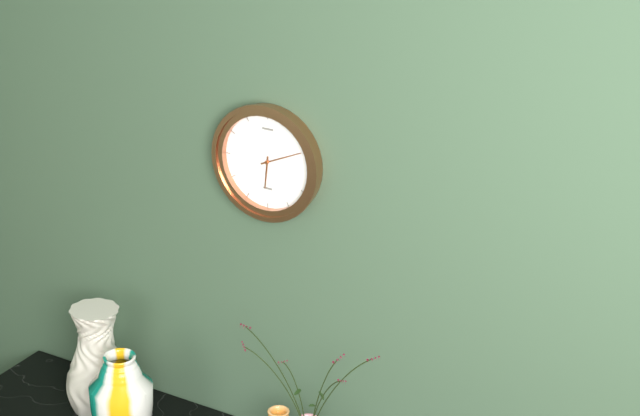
6:11
